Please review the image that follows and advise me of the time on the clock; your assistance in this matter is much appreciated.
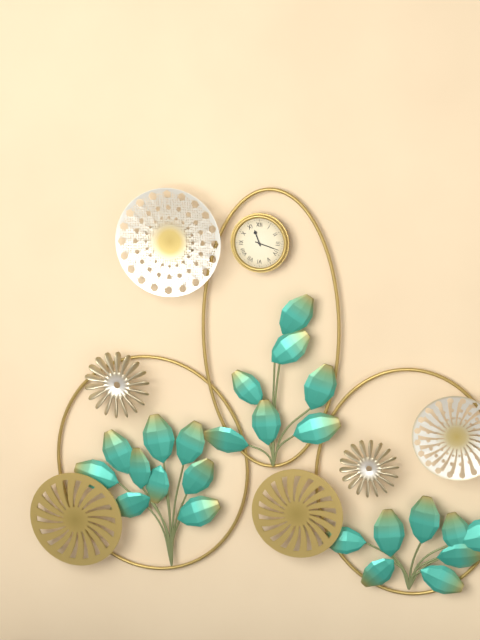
11:18
